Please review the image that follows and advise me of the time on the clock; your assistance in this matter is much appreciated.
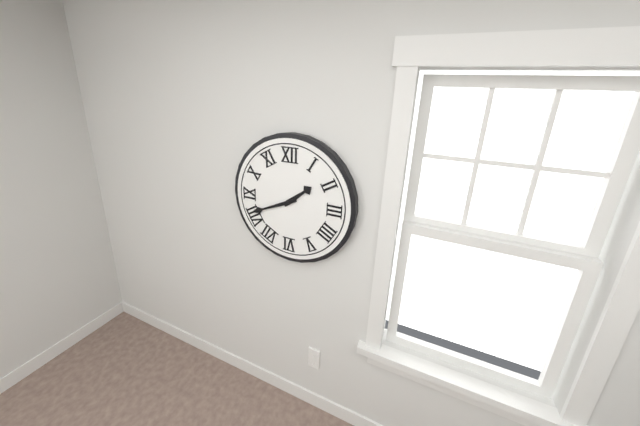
1:41
